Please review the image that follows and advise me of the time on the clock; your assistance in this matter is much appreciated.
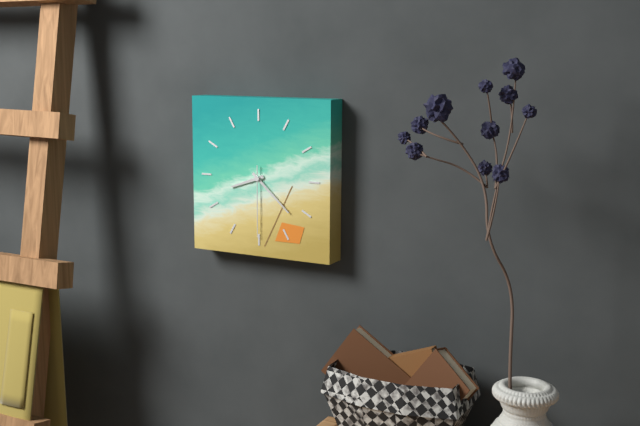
8:22:30
